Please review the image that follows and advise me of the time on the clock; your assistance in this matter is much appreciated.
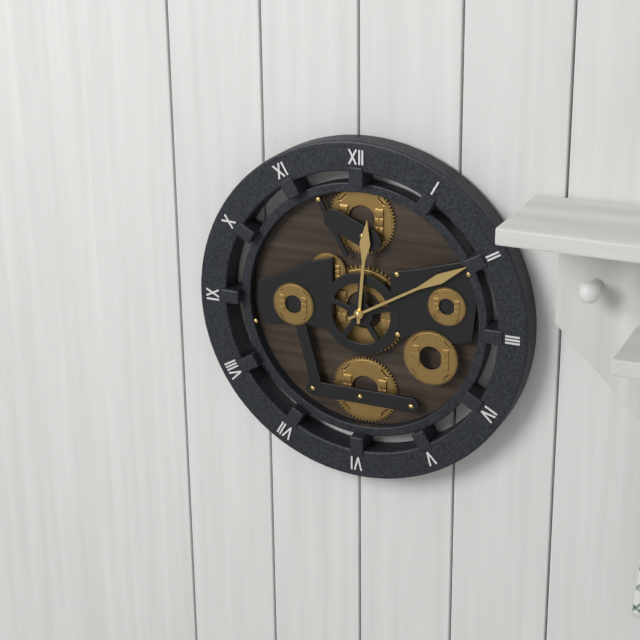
12:10
